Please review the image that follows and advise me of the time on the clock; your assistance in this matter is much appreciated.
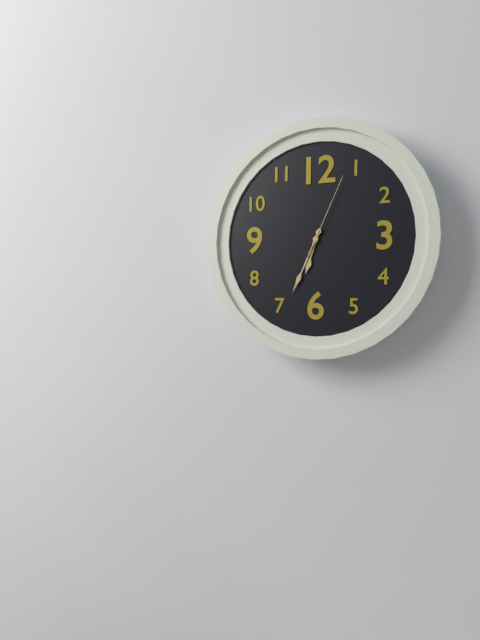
6:34:04
